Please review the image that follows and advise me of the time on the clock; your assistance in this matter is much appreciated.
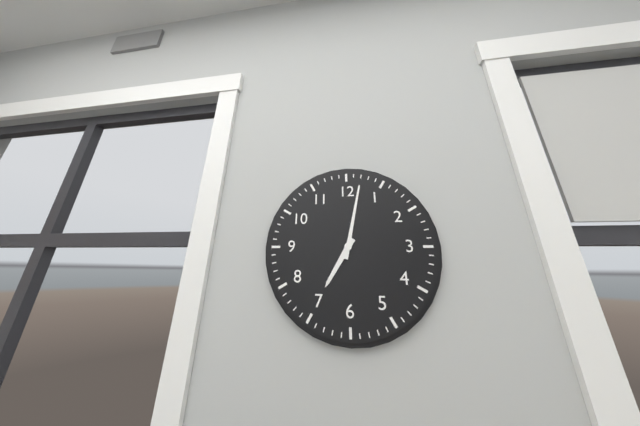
7:02
